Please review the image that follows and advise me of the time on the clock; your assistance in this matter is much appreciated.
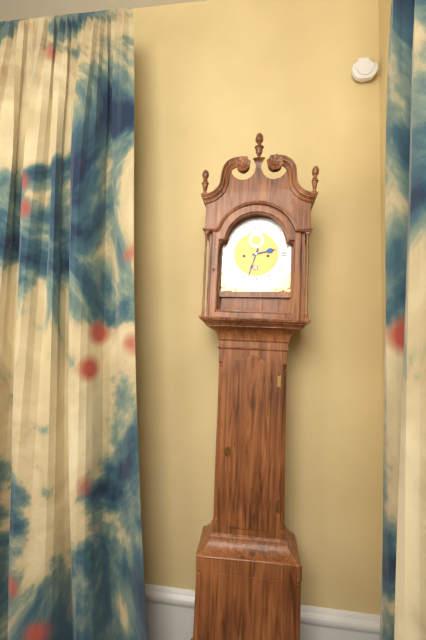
2:33
